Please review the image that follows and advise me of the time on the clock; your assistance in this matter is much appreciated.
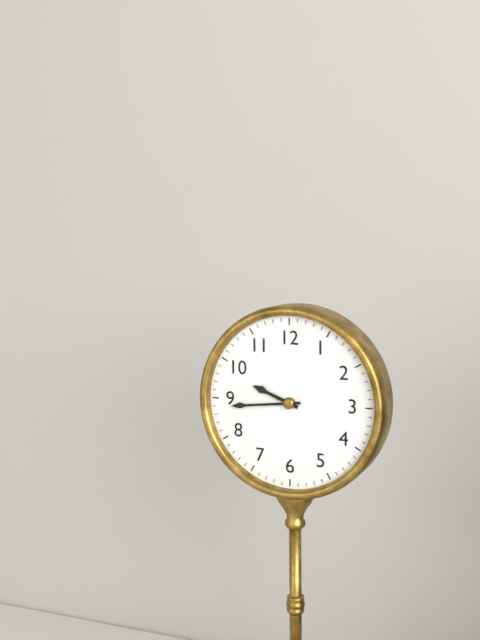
9:44
